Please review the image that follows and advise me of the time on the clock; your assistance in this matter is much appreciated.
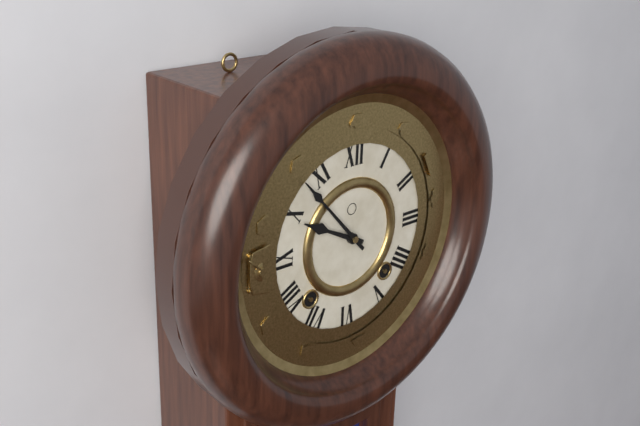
9:53
